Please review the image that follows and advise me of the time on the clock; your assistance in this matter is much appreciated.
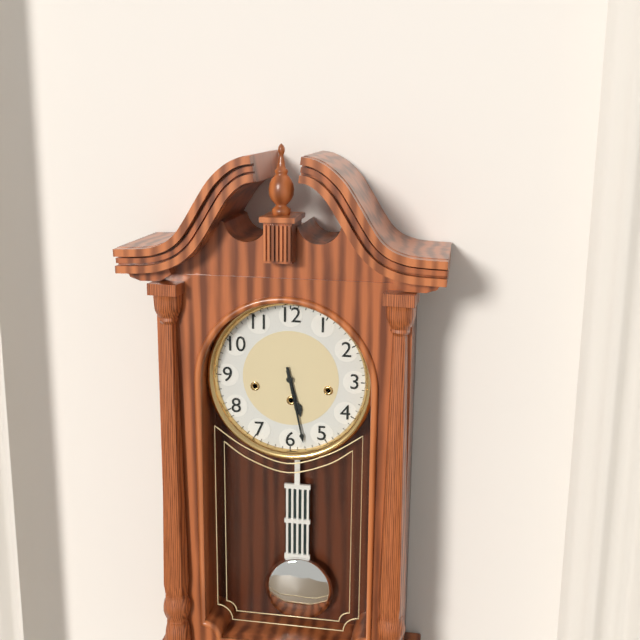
5:28
